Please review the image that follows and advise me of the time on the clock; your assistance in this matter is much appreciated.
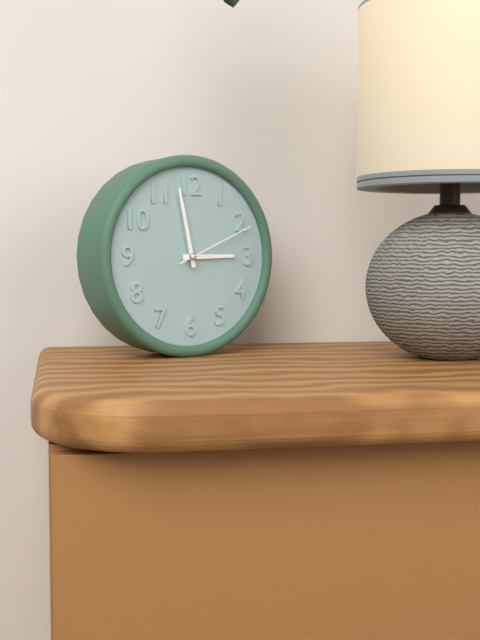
2:58:11
